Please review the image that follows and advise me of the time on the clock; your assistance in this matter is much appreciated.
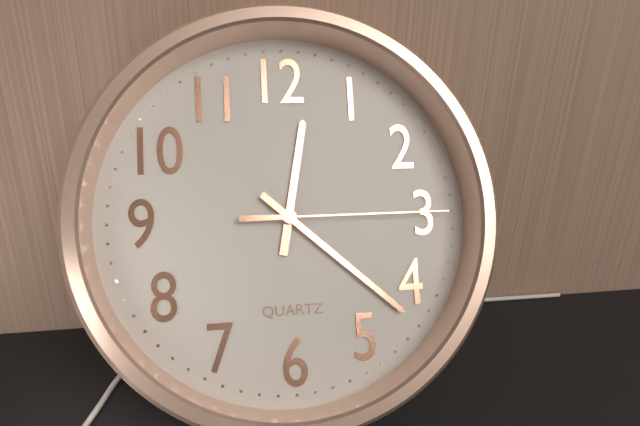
12:22:15
